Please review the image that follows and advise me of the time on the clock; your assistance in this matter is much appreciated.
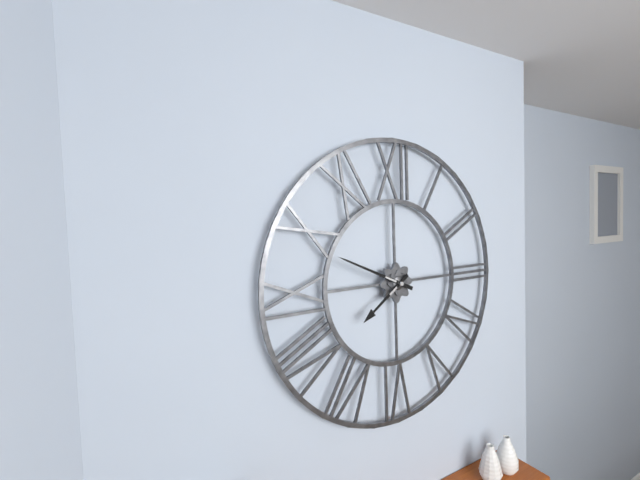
7:49
